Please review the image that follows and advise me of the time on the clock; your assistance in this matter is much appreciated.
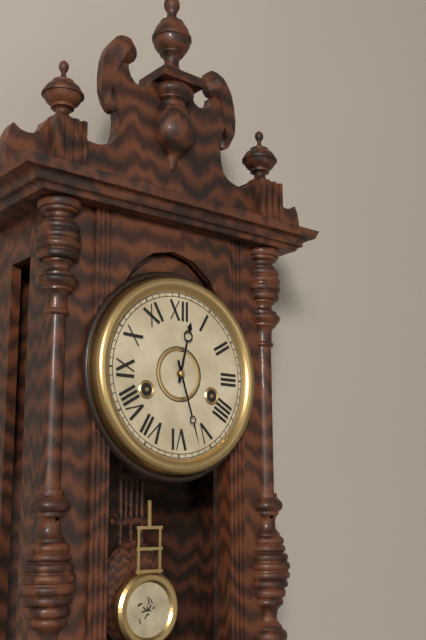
12:27
